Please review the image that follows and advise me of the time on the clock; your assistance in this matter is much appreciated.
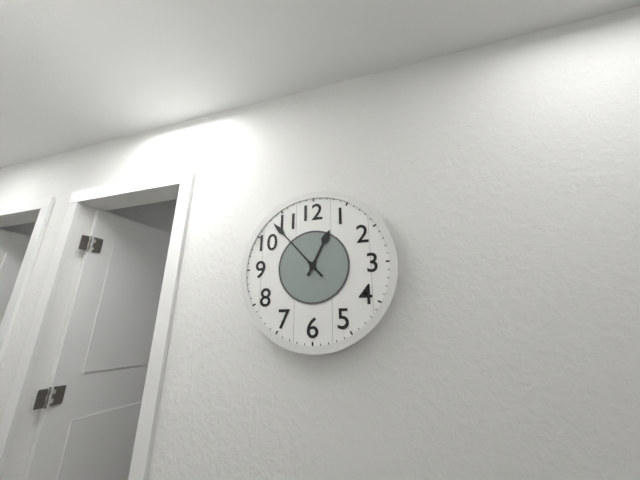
12:53
